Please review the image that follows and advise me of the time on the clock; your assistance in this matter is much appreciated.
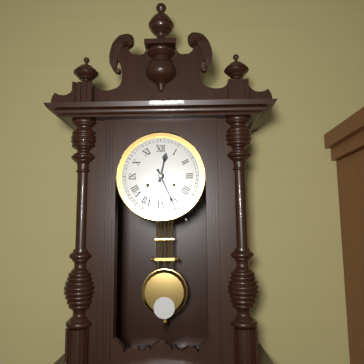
12:26
